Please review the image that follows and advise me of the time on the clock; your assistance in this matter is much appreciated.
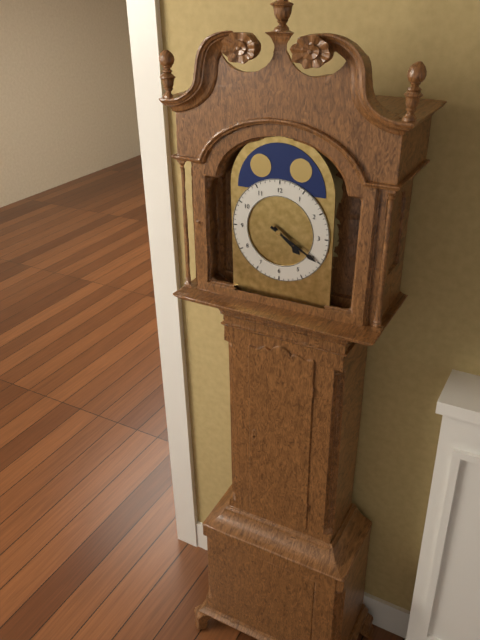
4:20
